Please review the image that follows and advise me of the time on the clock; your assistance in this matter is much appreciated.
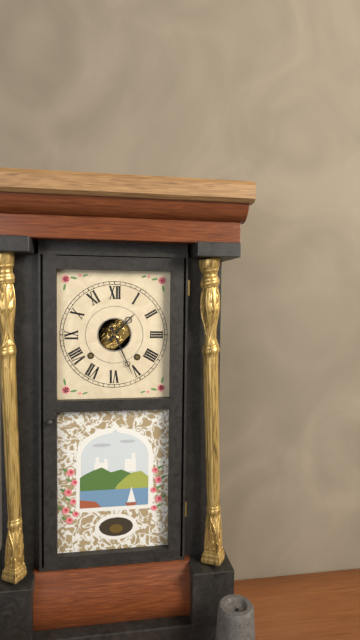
1:26
